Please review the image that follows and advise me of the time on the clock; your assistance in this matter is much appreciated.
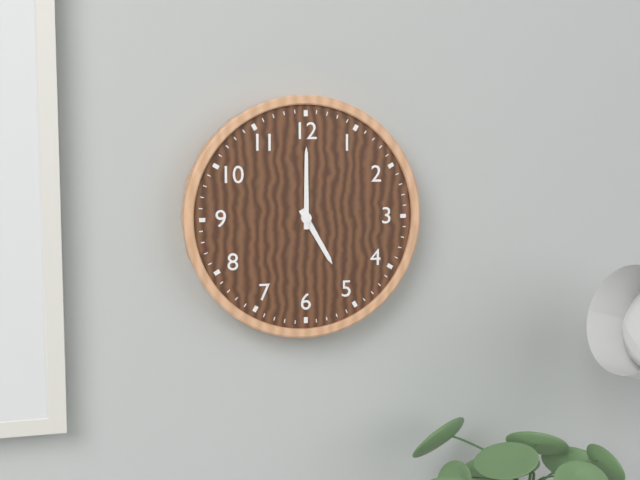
5:00
